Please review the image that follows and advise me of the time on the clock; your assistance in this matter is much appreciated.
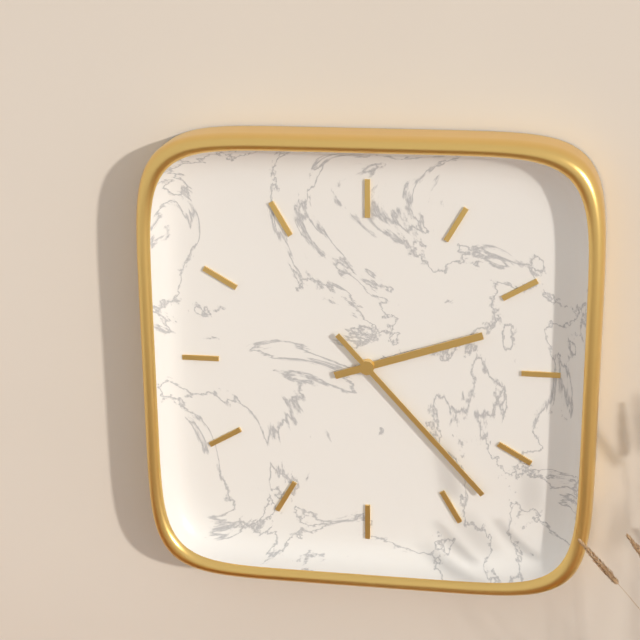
2:23
